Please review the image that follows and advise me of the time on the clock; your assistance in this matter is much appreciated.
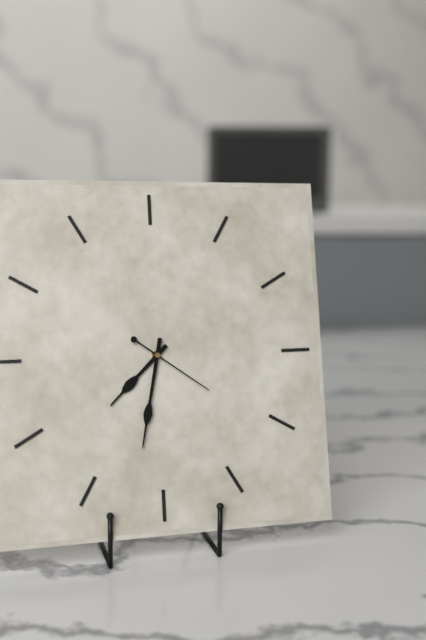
7:32:21
